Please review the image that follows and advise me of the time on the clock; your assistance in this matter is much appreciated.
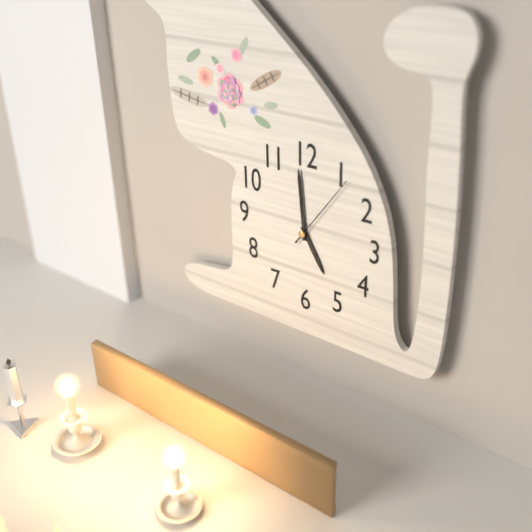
4:59:06
